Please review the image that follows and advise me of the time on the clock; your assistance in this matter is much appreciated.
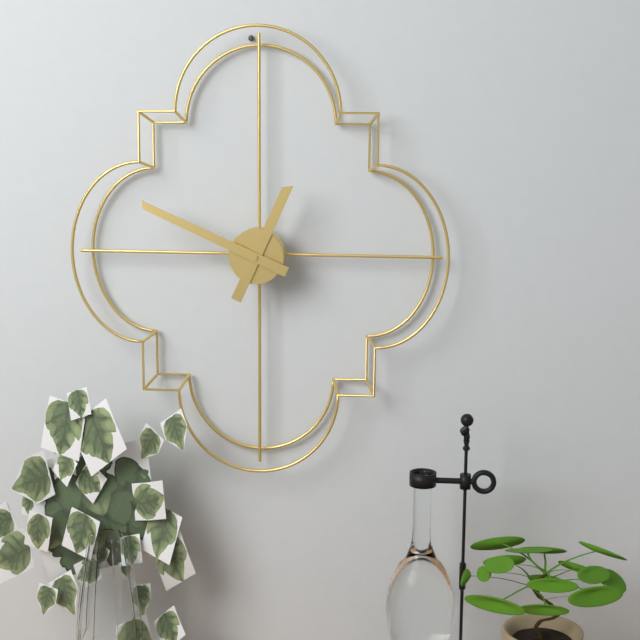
12:49
